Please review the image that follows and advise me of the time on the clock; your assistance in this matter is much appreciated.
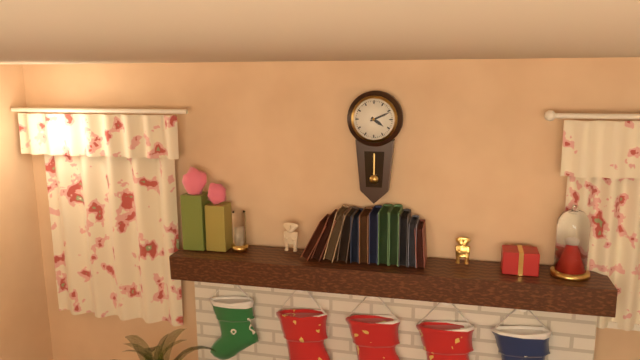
4:11
